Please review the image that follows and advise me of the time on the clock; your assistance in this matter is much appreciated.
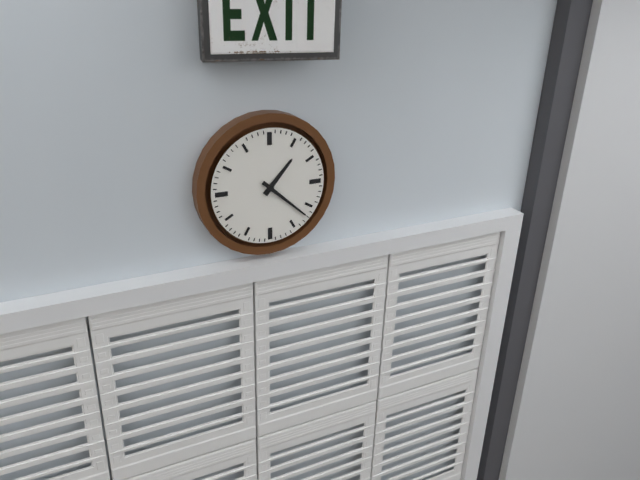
1:22
